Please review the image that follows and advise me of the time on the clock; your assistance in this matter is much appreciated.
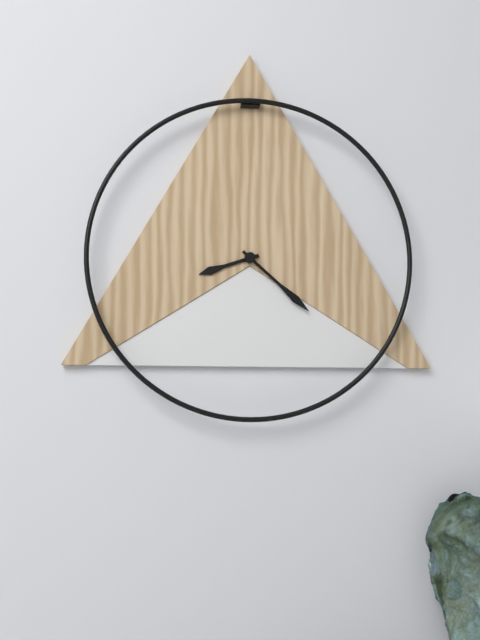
8:22
